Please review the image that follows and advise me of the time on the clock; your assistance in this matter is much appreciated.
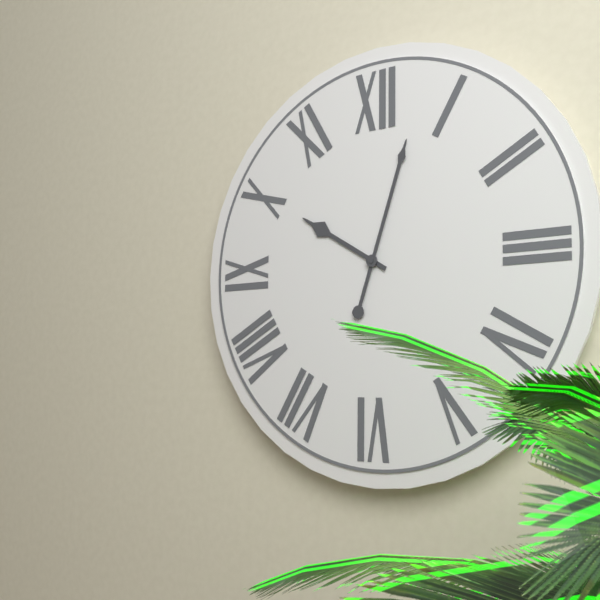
10:03
